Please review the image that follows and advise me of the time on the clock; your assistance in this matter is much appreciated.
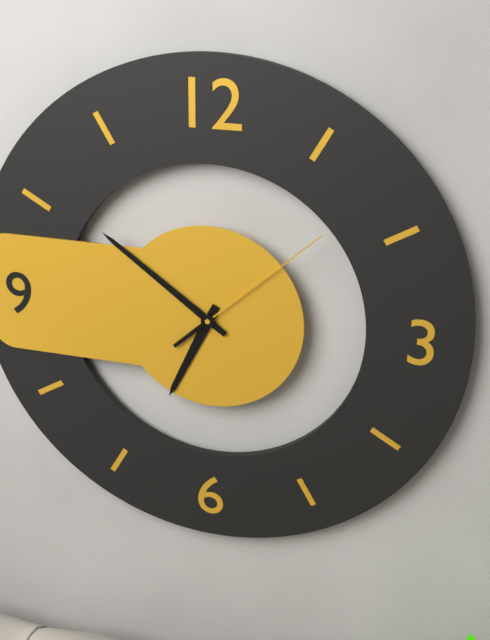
6:51:08
